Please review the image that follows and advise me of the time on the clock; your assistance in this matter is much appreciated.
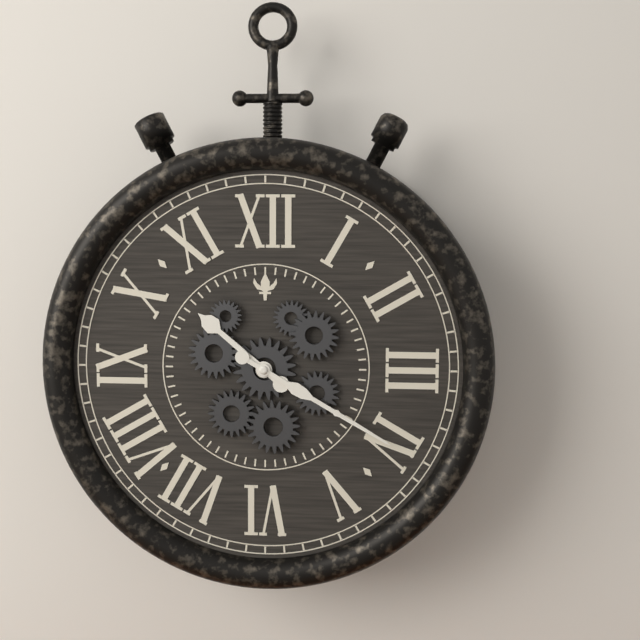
10:20
